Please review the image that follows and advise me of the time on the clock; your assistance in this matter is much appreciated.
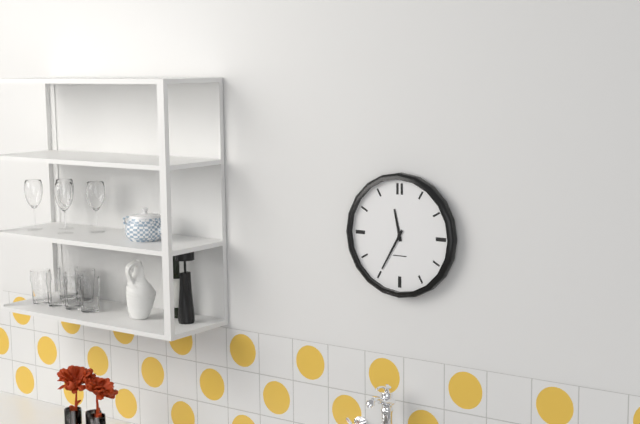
11:35
